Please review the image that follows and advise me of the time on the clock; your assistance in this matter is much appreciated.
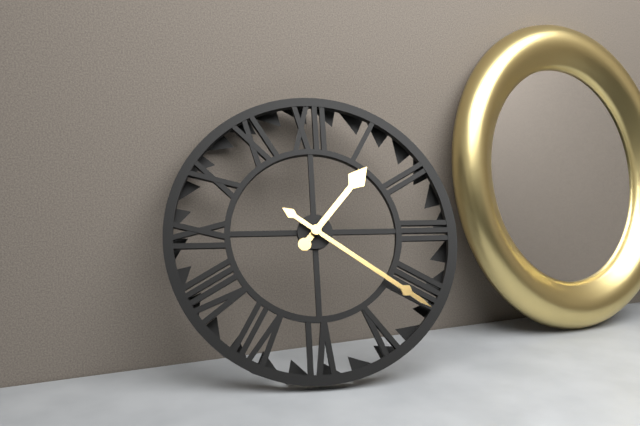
1:21
